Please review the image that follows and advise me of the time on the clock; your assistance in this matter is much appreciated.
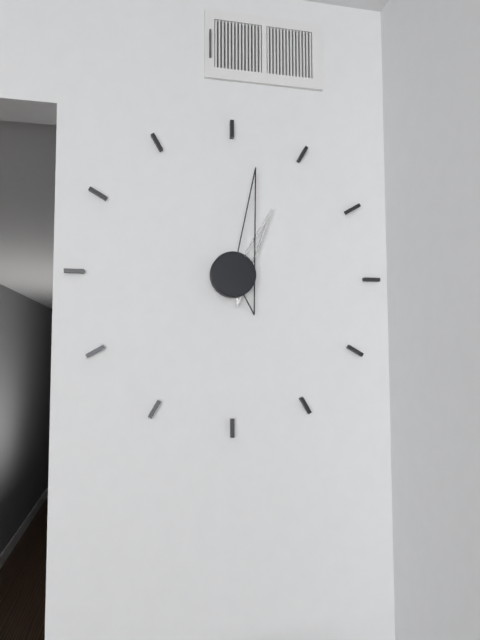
1:02
